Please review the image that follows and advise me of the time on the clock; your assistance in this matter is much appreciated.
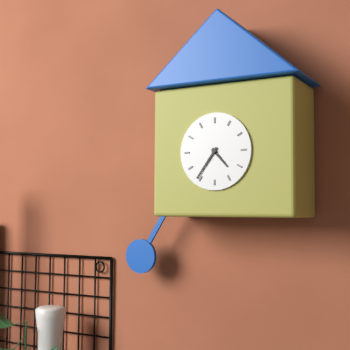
4:36
